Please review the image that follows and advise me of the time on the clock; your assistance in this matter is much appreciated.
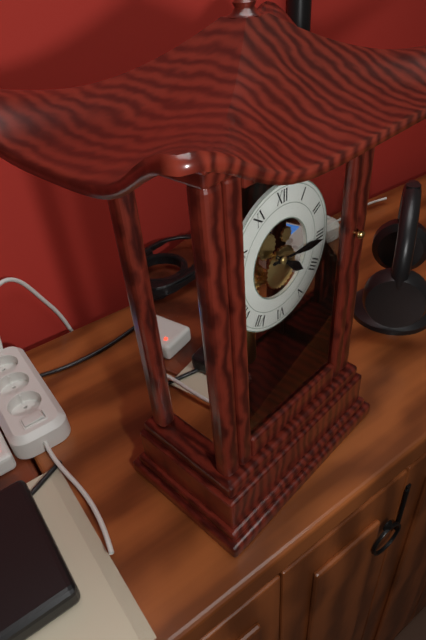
4:16
